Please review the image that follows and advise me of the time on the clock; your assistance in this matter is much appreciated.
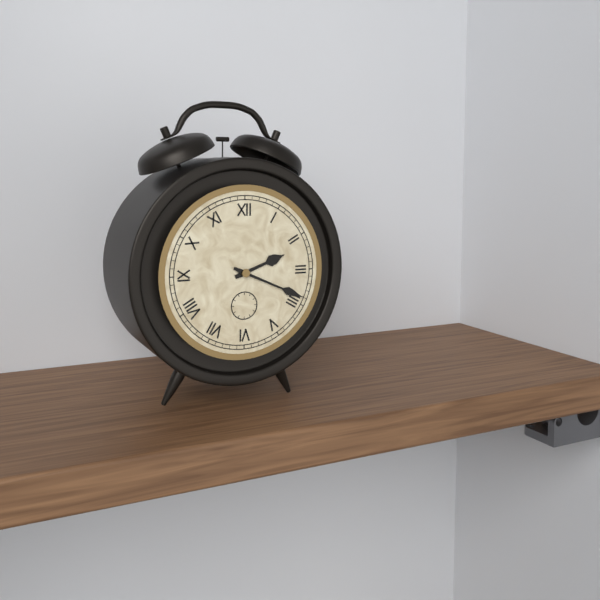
2:19
